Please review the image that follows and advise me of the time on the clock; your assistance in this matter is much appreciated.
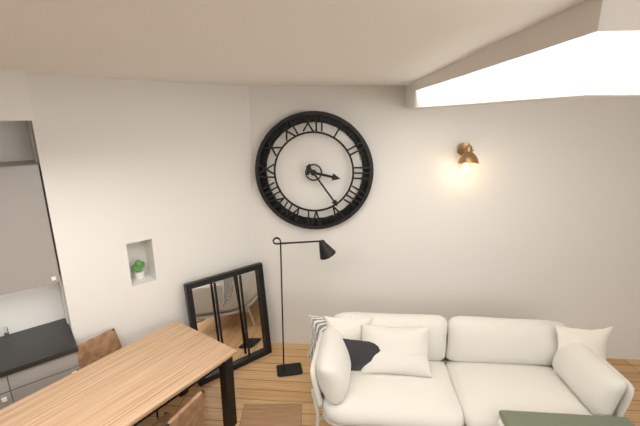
3:24
